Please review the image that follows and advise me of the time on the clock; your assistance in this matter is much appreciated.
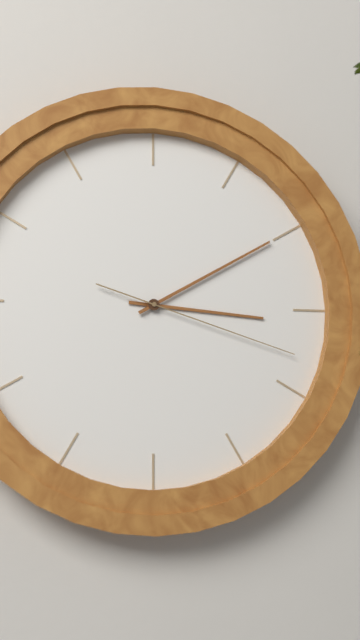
3:10:18
